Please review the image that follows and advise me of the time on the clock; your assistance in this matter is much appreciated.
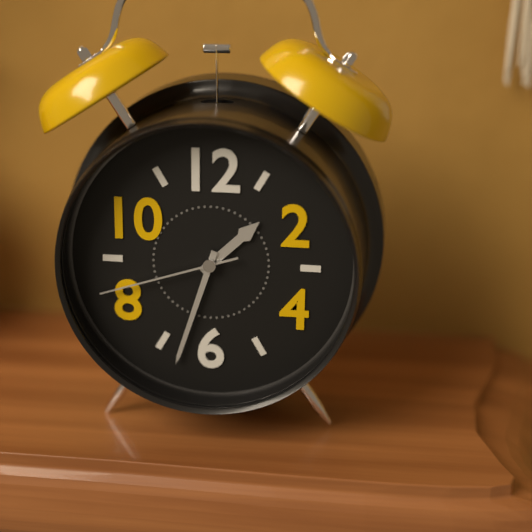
1:33:42
